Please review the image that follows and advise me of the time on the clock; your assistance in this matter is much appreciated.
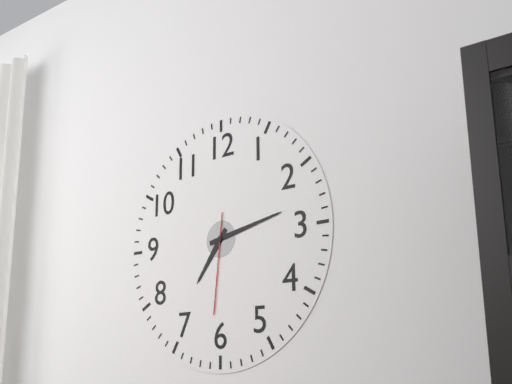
7:13:31
